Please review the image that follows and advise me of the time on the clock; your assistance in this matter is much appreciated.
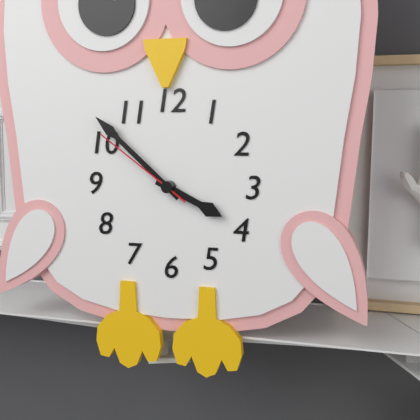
3:52:51
